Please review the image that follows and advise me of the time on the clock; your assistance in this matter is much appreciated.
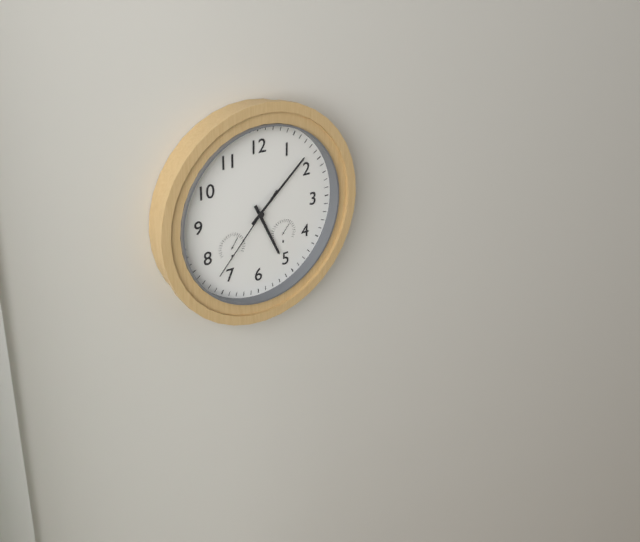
5:08:37
